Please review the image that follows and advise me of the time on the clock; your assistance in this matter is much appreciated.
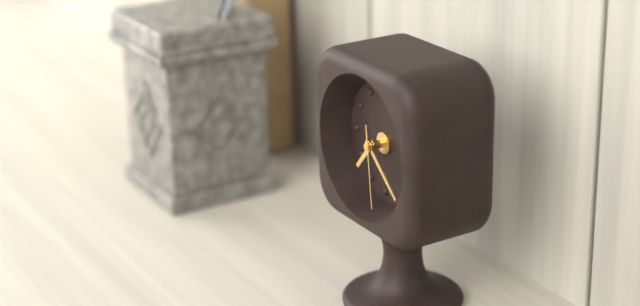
7:22:29
